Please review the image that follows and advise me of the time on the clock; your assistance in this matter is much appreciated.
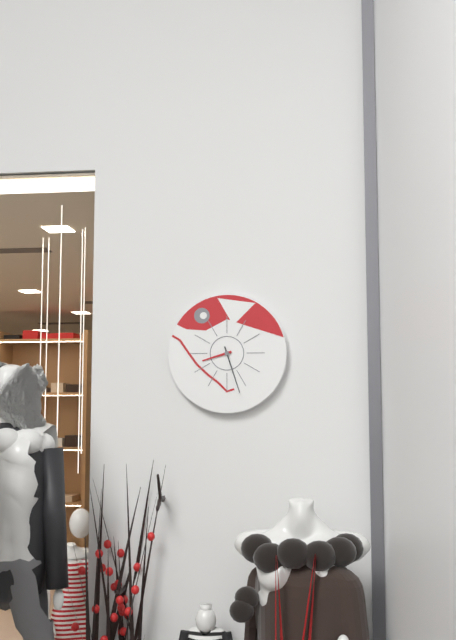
8:27
